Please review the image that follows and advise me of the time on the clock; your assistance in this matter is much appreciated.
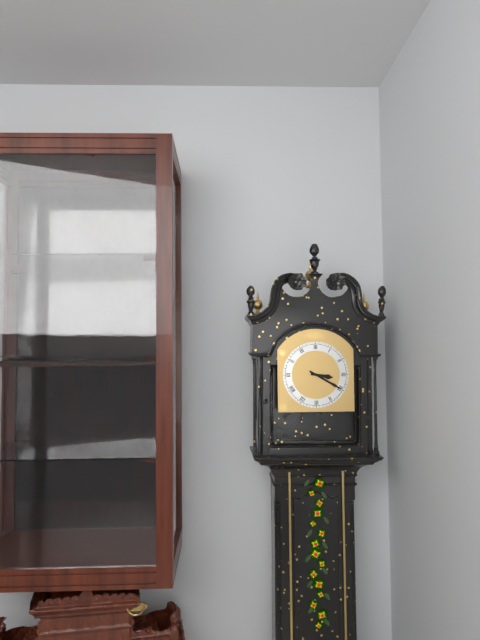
3:20
